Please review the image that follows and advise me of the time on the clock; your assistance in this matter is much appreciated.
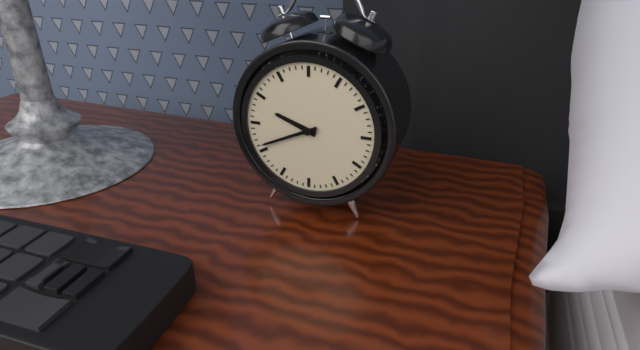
9:41
